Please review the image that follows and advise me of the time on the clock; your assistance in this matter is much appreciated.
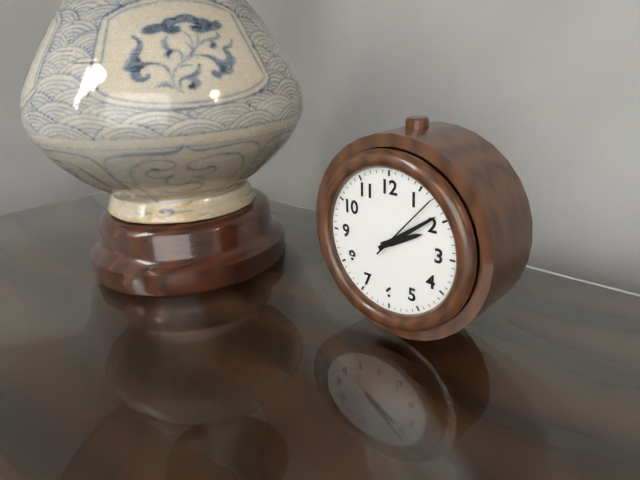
2:09:07
